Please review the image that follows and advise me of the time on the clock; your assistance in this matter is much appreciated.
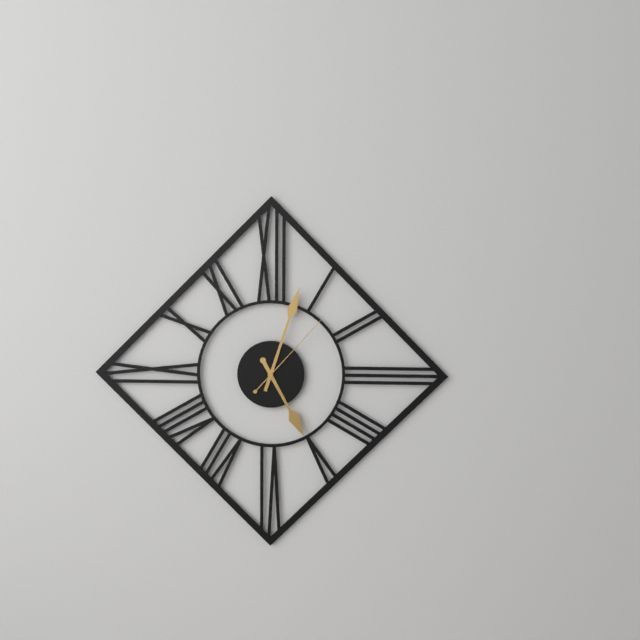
5:03:07
